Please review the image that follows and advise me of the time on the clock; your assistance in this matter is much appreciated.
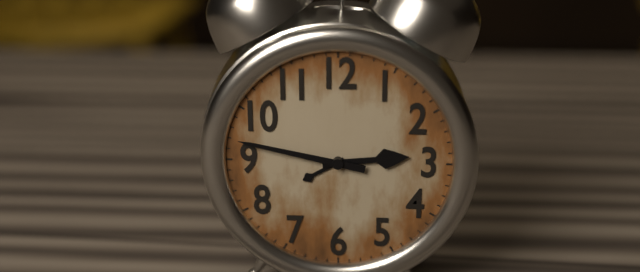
2:47
